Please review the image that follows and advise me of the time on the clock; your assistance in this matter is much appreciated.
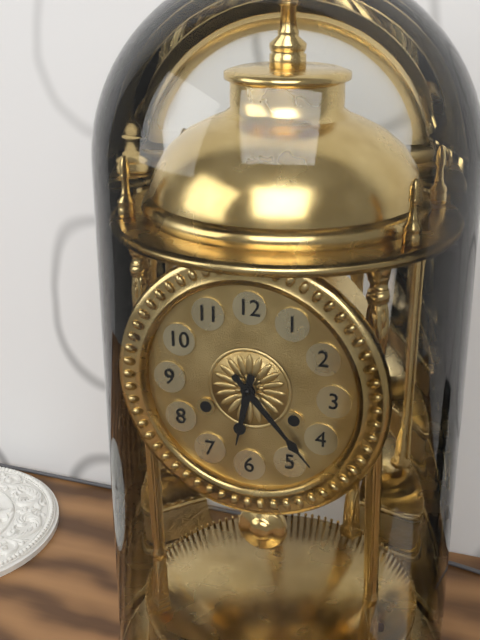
6:23
